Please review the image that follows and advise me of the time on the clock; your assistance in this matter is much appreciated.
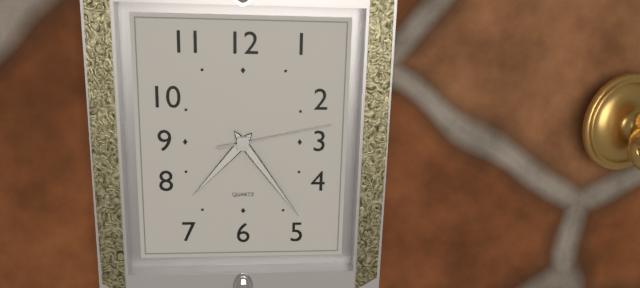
7:24:13
